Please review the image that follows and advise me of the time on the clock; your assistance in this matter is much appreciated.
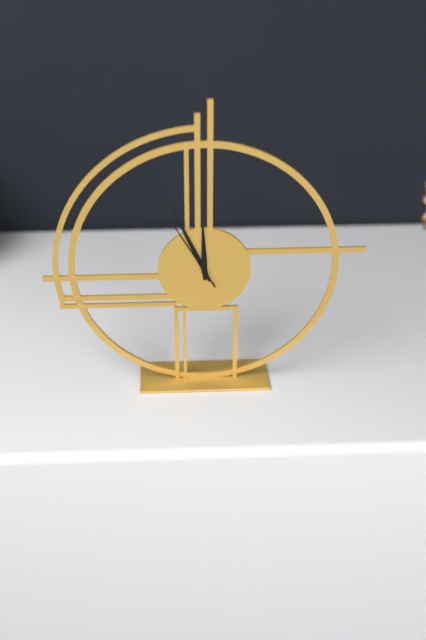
11:56:55
